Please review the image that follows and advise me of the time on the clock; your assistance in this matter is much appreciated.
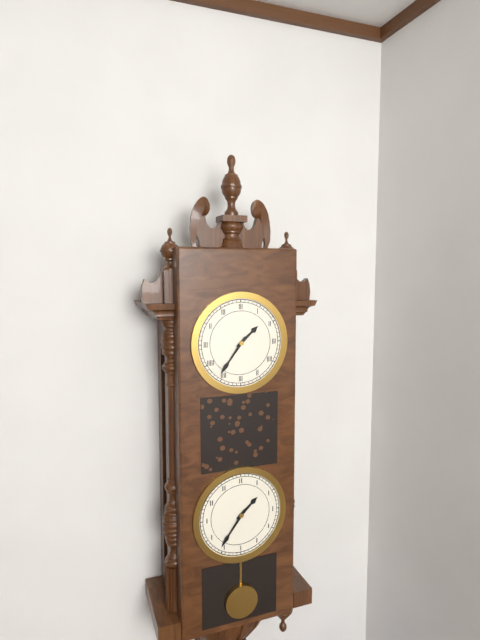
1:36
